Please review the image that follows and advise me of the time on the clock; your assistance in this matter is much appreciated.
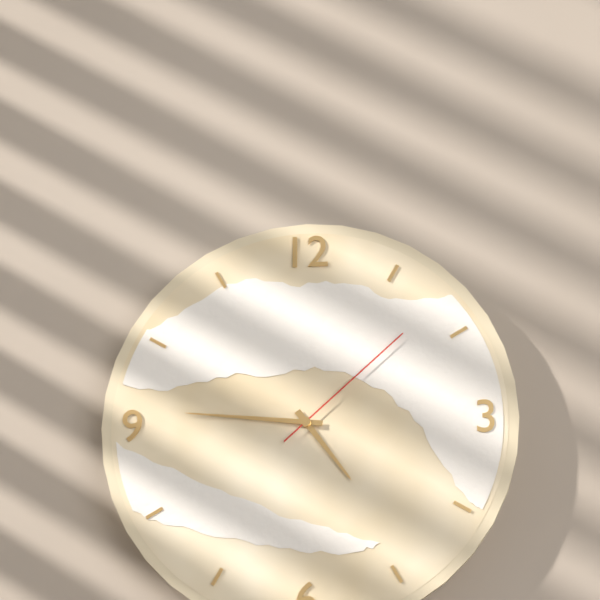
4:46:08
